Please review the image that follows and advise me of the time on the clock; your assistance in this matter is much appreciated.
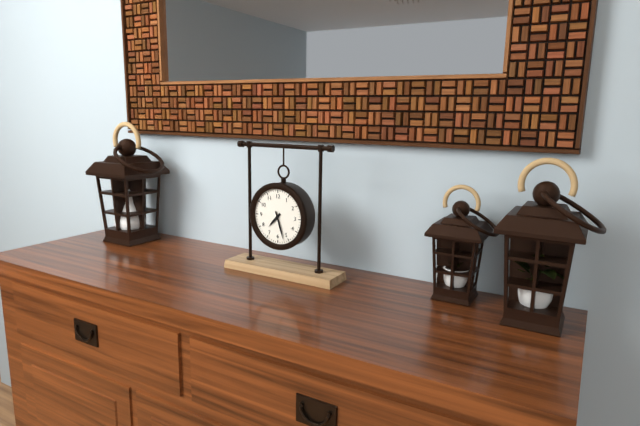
7:27
